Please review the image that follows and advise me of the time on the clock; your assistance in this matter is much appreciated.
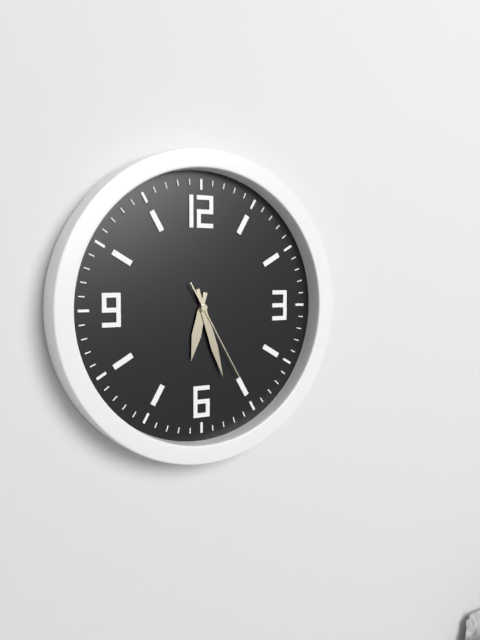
6:27:25
